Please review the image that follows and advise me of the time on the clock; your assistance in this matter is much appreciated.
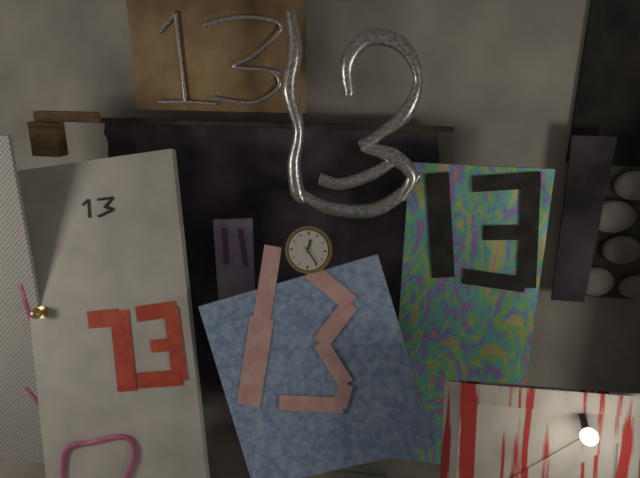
12:24
